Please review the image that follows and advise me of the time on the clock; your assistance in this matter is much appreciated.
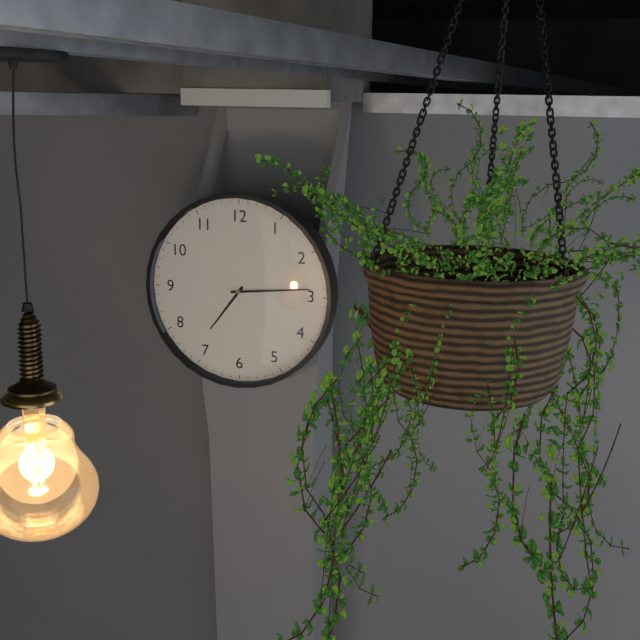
7:14
